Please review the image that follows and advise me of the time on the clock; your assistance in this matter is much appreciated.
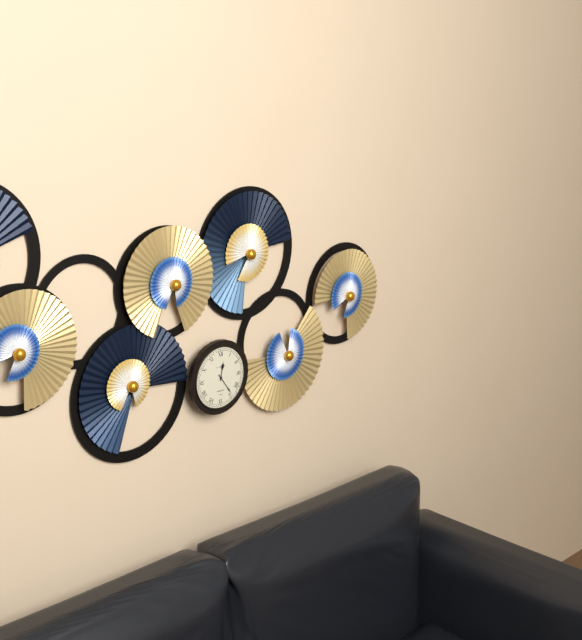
12:24
